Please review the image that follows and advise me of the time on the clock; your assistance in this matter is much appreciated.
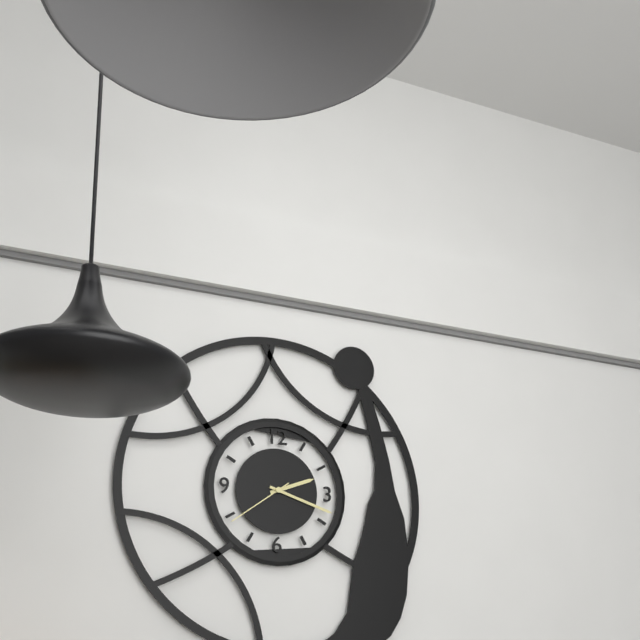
2:18:39
